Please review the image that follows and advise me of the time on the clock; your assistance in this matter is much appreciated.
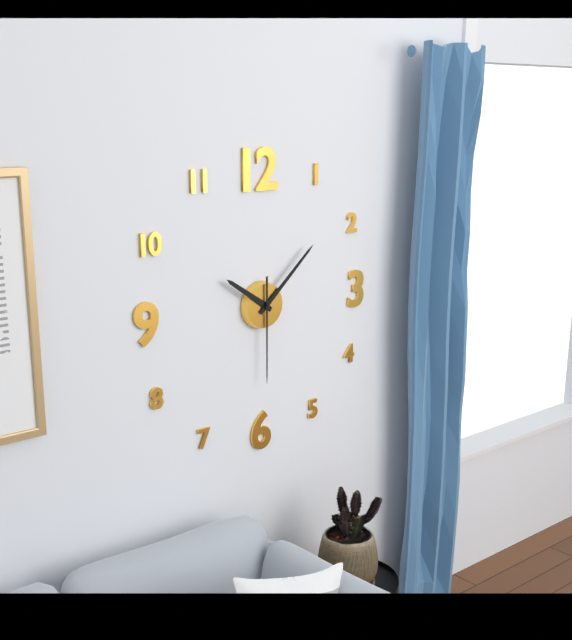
10:08:30
